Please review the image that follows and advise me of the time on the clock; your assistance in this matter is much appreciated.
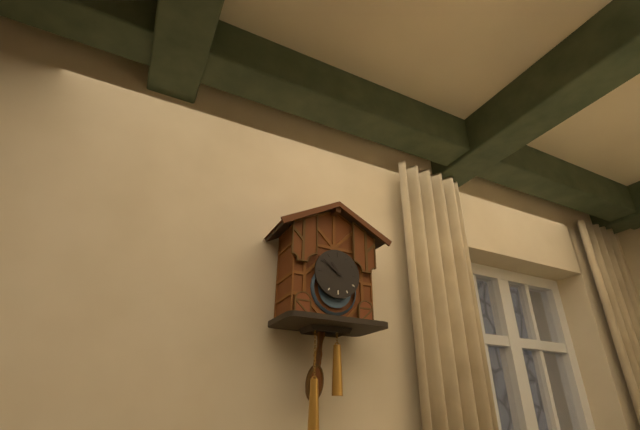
10:51
